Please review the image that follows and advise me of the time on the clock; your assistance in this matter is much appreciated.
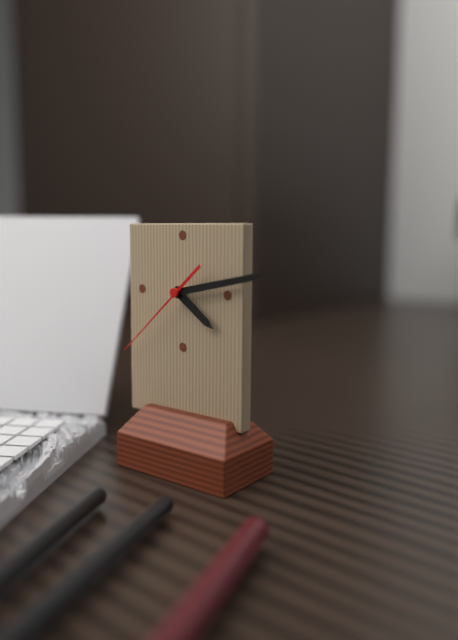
4:13:38
